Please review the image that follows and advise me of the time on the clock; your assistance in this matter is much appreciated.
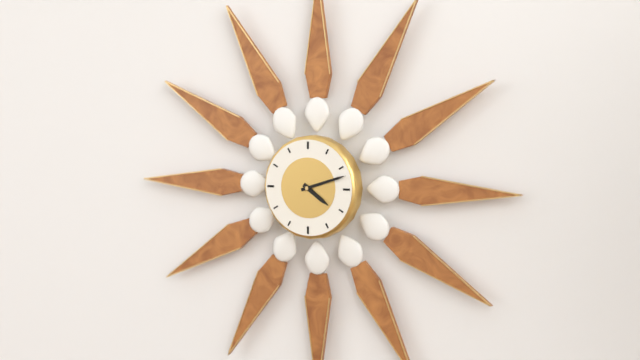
4:12
